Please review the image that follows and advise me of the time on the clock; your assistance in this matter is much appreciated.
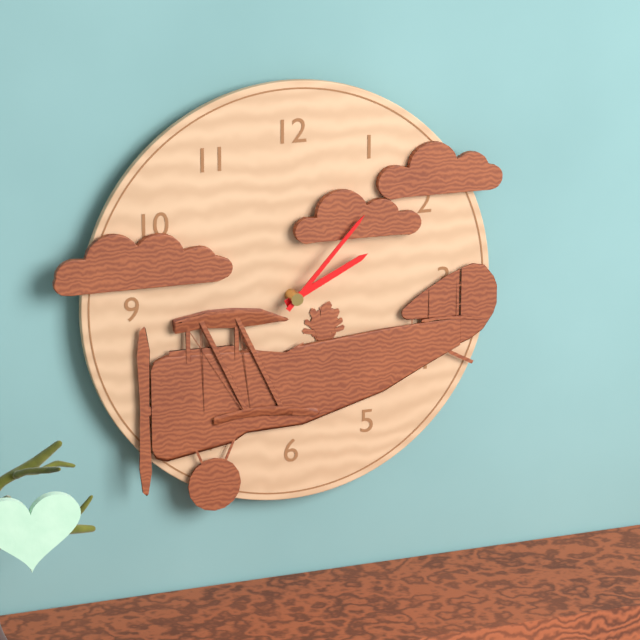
2:07
